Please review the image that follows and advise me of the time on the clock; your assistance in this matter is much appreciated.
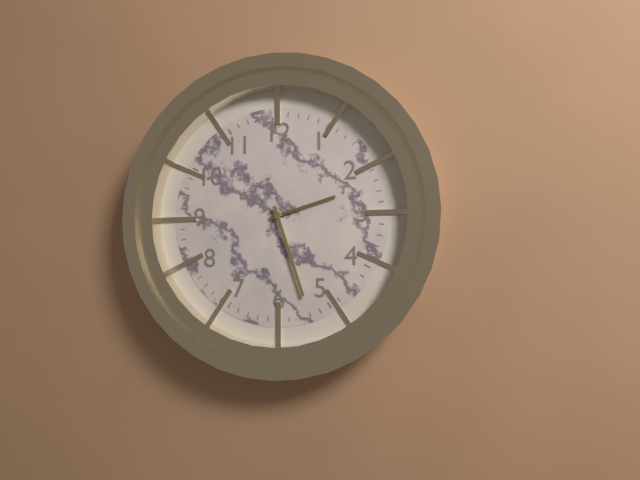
2:27
